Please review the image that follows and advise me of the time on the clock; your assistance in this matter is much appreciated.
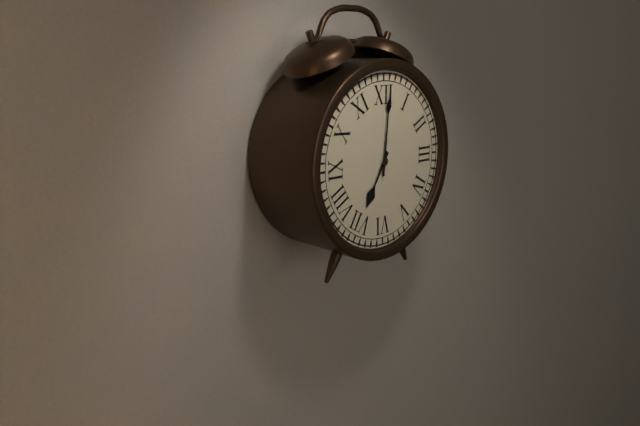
7:01
